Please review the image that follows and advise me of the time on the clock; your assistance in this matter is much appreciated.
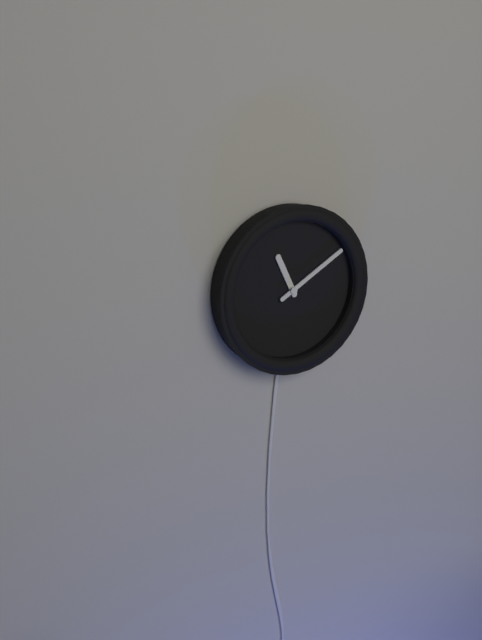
11:10
